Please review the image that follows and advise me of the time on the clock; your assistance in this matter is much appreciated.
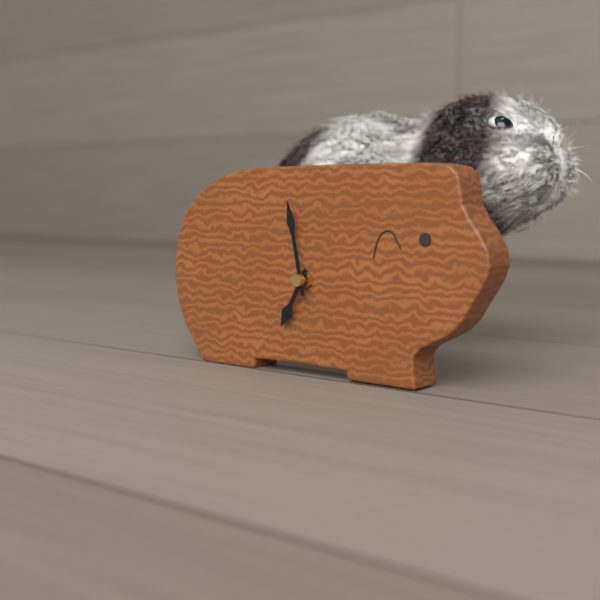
6:58
